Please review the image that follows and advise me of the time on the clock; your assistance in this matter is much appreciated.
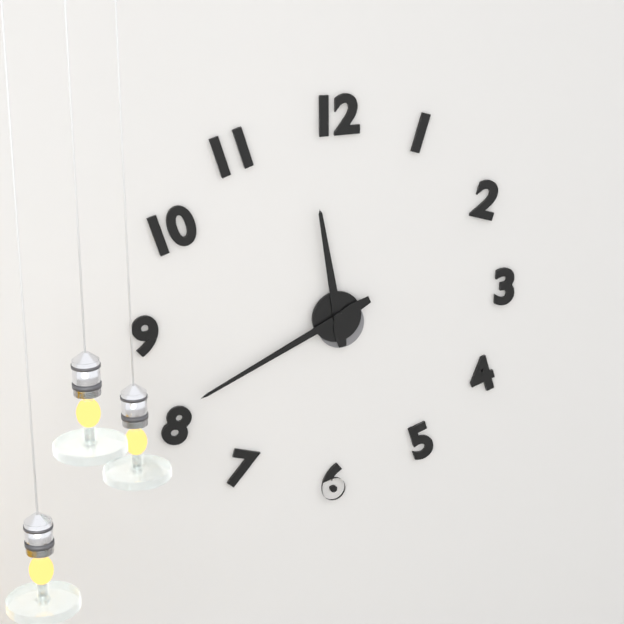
11:41
